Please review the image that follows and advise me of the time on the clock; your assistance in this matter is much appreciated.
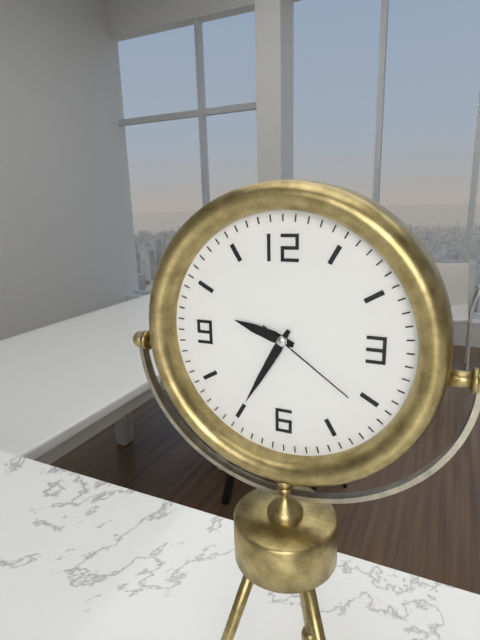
9:35:21
